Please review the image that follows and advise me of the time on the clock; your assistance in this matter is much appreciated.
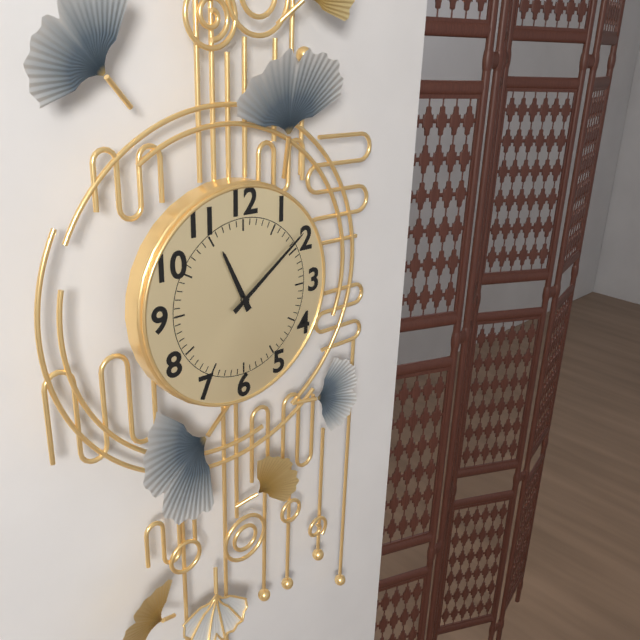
11:09
